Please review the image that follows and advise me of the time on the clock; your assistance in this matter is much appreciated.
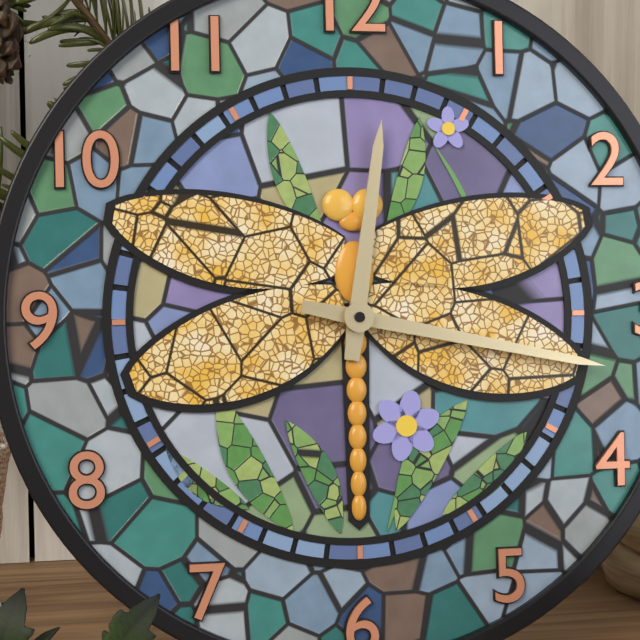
12:17
